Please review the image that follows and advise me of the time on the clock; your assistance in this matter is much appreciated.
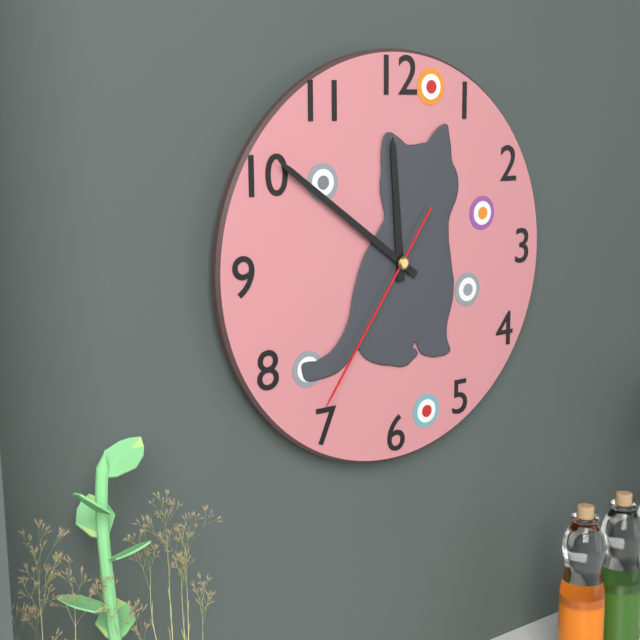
11:51:36
